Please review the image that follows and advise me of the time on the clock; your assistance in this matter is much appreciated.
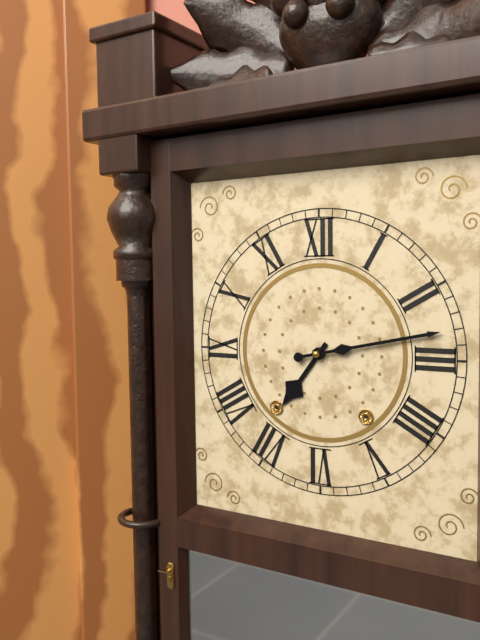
7:13
